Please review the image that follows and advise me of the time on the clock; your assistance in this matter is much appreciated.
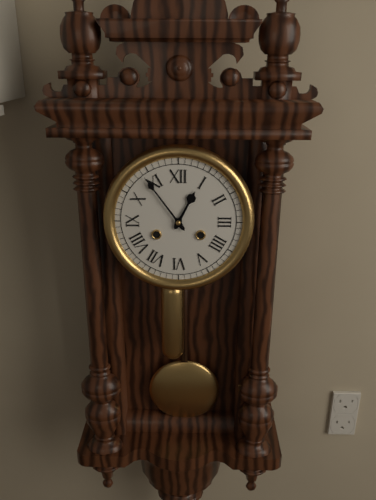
12:54
